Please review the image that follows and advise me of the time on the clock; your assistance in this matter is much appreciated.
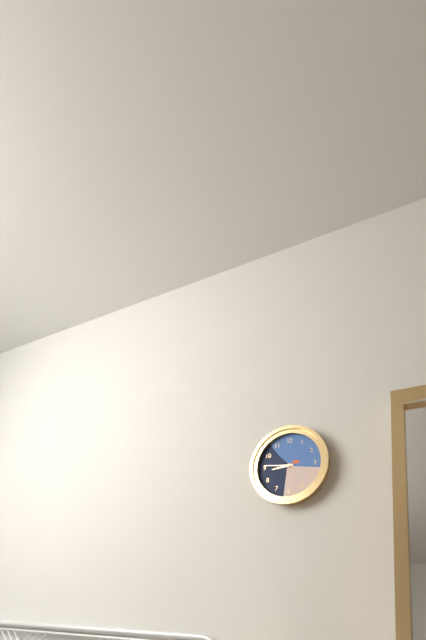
8:46
